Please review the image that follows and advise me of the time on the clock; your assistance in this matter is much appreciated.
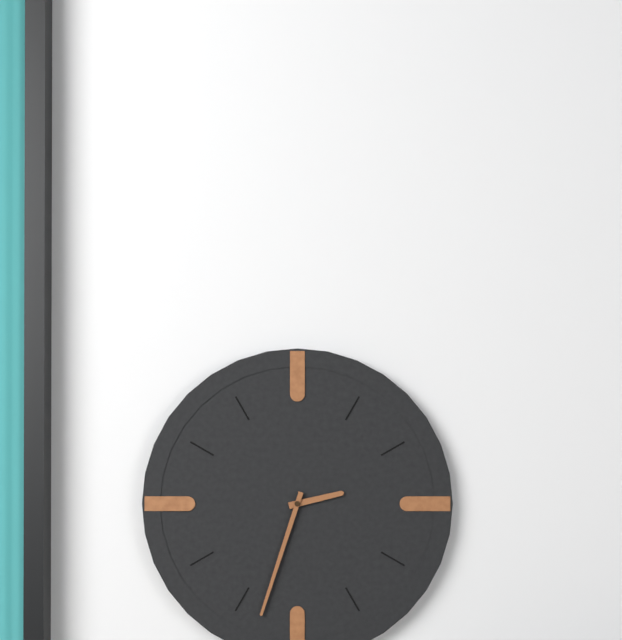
2:33
